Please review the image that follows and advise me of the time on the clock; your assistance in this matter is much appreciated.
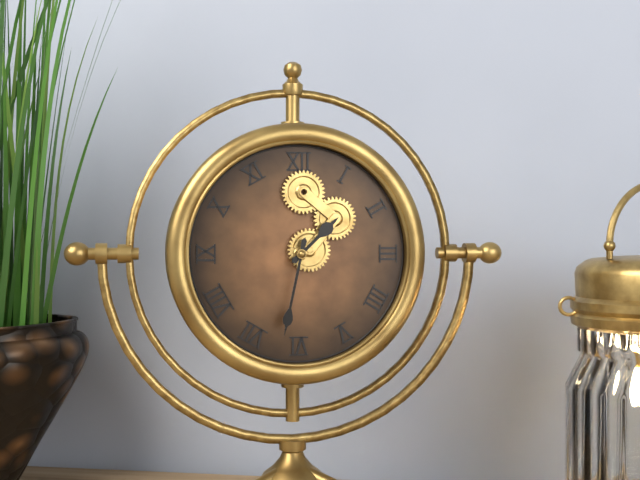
1:32
